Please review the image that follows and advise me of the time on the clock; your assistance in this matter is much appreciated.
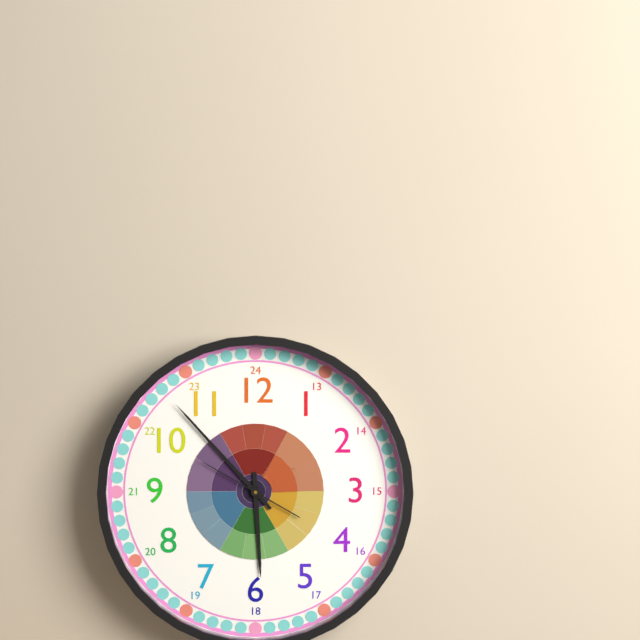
5:53:50
